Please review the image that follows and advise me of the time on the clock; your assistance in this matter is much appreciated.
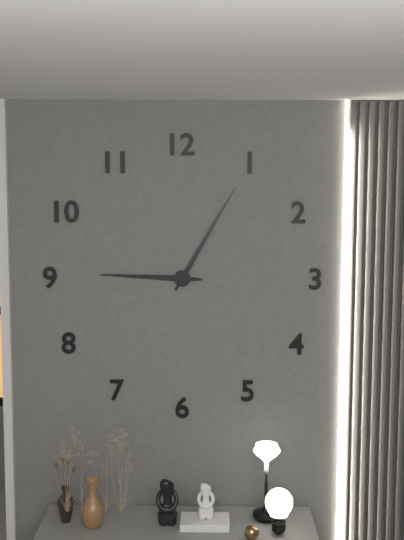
9:05
